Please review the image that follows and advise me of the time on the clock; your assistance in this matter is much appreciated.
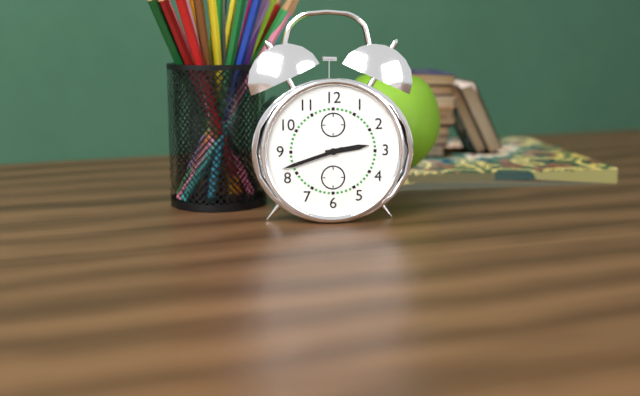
2:42
